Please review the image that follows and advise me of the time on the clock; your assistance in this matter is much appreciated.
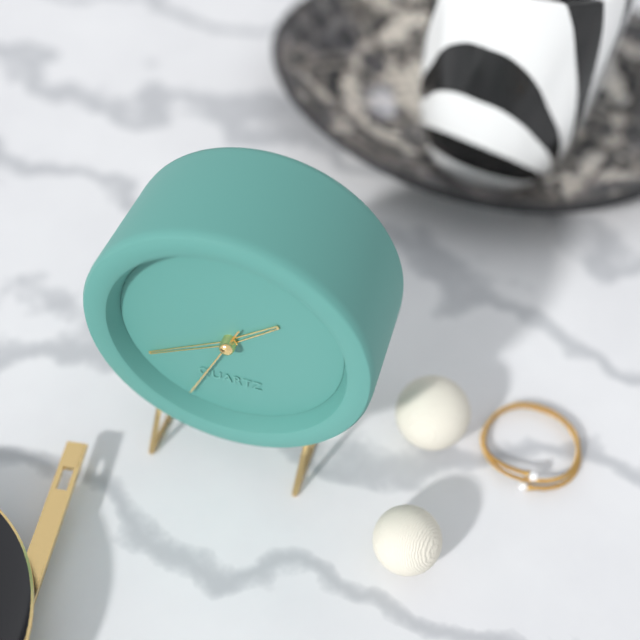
1:40:34
